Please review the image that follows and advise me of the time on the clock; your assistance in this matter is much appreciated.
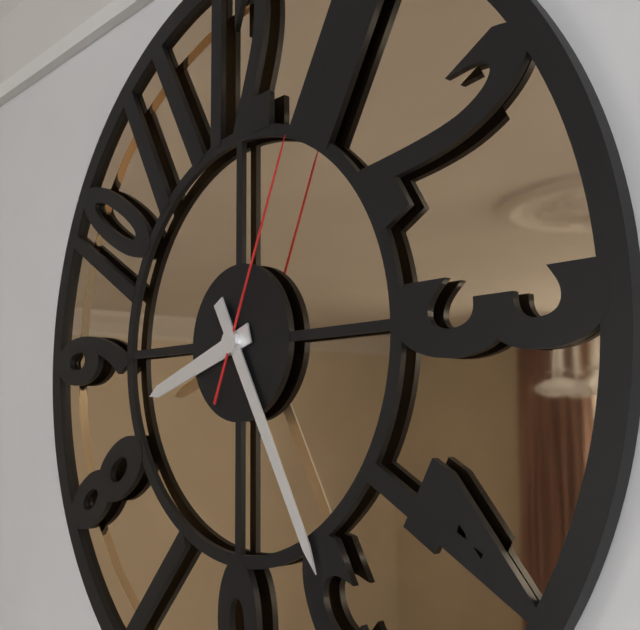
8:25:04
